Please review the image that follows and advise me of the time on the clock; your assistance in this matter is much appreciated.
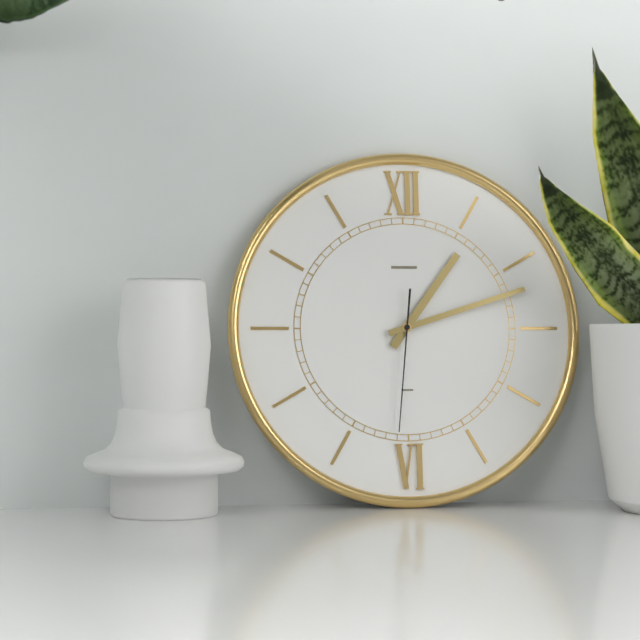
1:12:31
